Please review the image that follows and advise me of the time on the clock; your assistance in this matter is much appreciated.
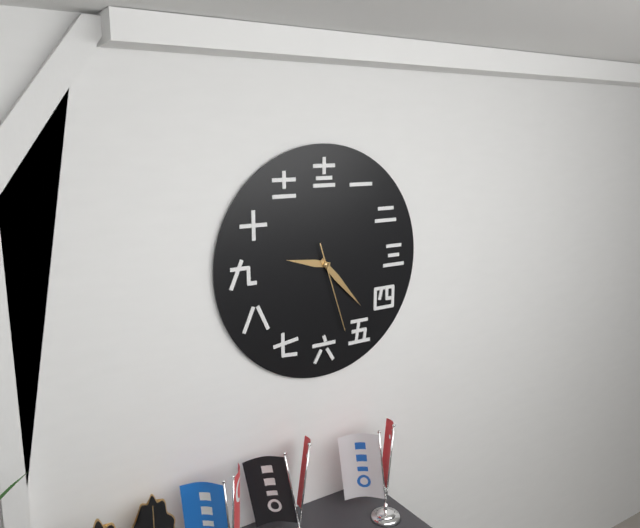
9:23:27
